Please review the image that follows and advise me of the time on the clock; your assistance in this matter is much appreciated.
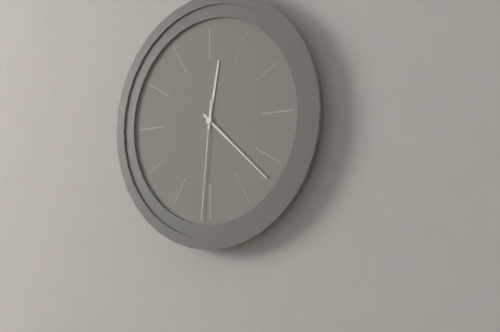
12:22:31
